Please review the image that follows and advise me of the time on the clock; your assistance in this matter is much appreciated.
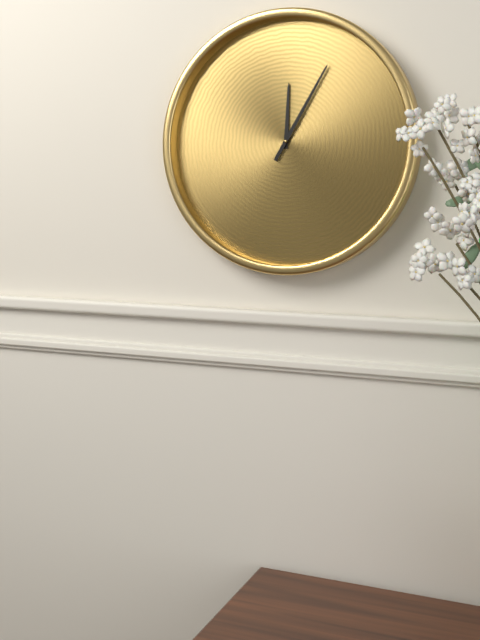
12:05
